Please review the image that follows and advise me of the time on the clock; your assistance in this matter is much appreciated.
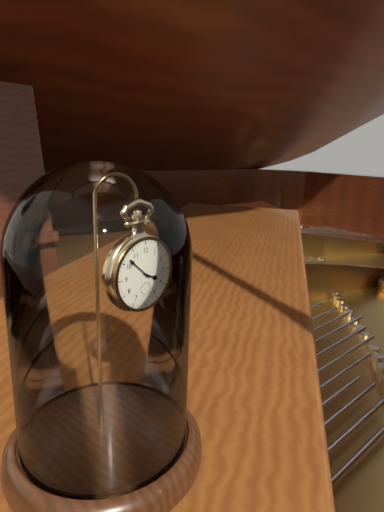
3:52
